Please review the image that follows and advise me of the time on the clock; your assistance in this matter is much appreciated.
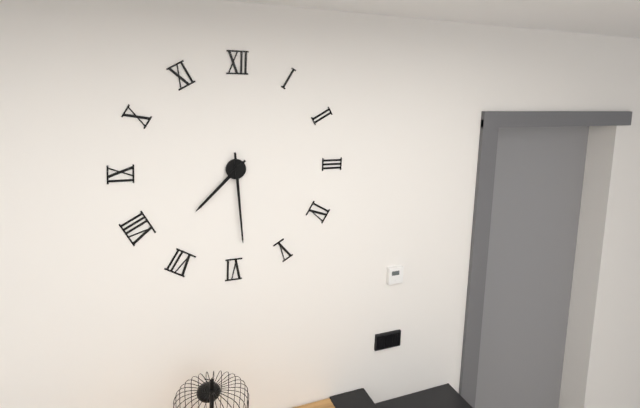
7:29
